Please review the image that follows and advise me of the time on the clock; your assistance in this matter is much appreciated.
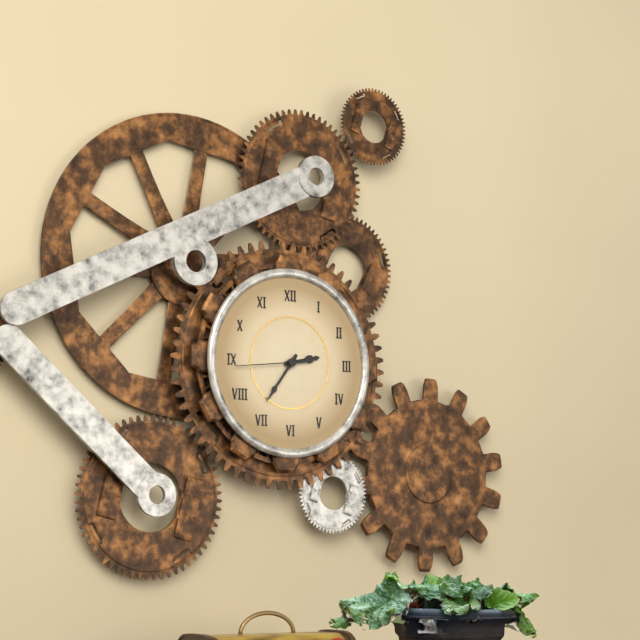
2:36
